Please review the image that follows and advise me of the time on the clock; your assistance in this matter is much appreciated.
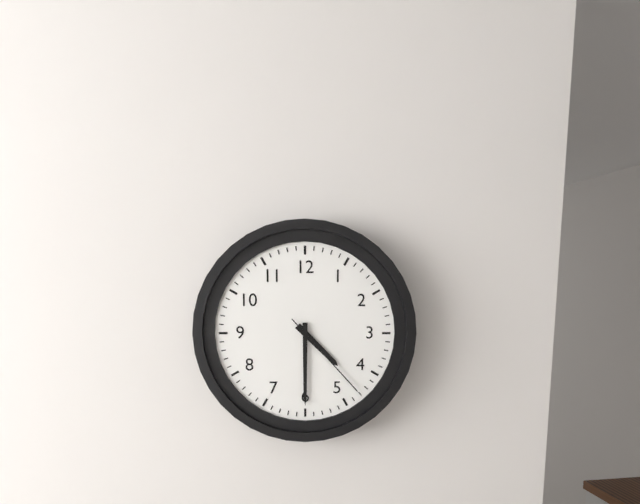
4:30:23
